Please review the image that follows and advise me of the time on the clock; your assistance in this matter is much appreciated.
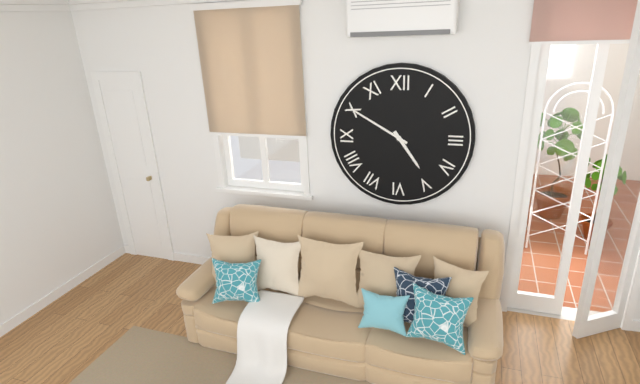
4:50
